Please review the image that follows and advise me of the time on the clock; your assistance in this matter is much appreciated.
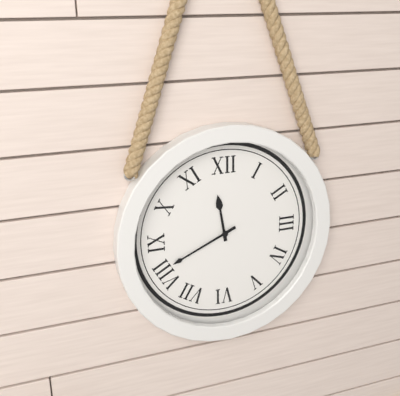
11:41
